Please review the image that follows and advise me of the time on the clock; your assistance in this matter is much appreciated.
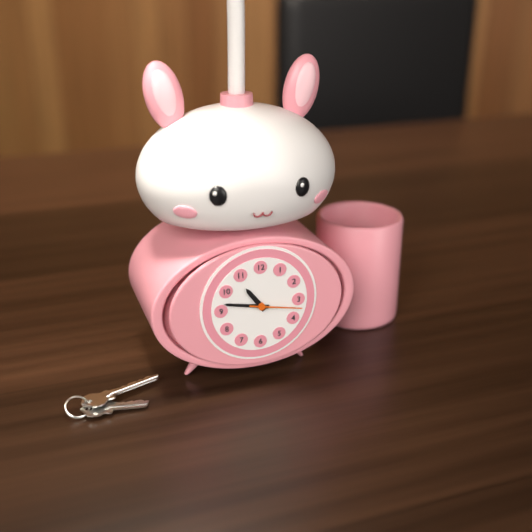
10:47:17
